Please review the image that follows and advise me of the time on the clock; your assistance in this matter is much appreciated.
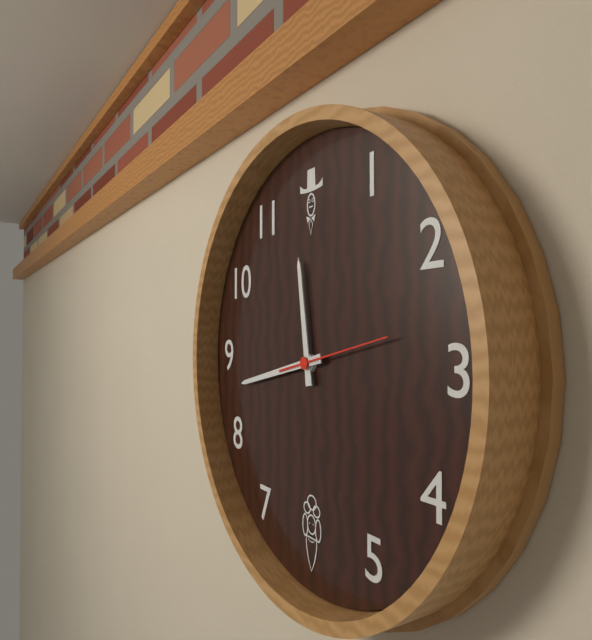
11:43:13
